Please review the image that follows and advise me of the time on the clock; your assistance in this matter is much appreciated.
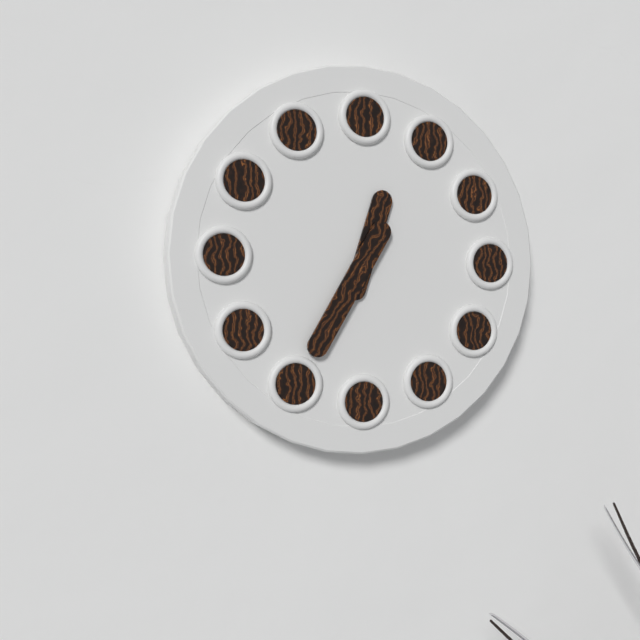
12:35
